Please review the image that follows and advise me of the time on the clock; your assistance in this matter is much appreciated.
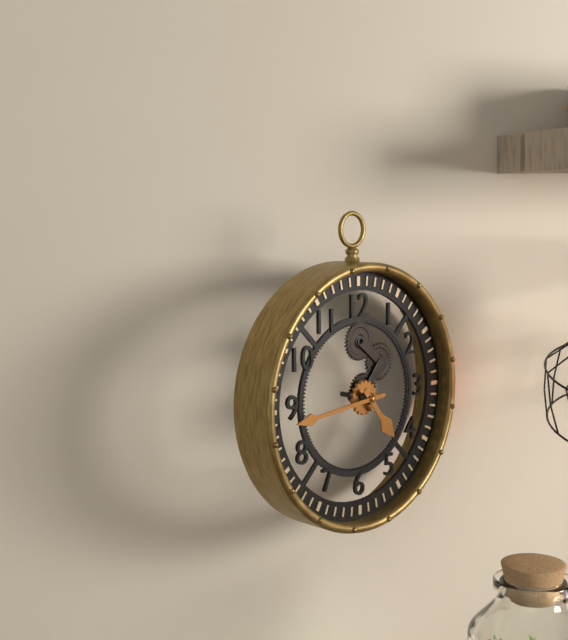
4:44
